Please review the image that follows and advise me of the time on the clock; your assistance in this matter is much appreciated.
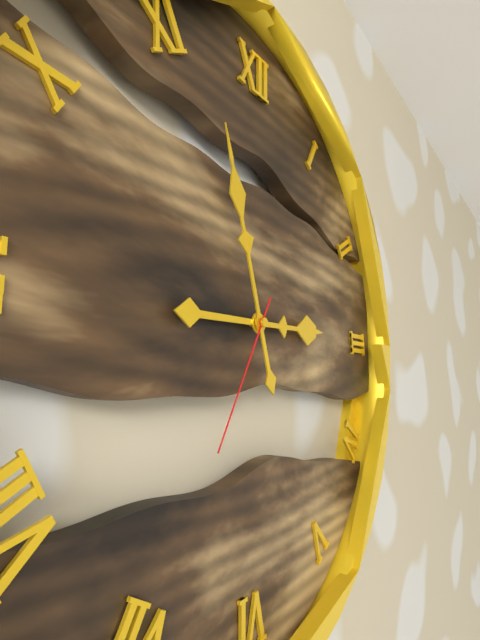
2:57:35
